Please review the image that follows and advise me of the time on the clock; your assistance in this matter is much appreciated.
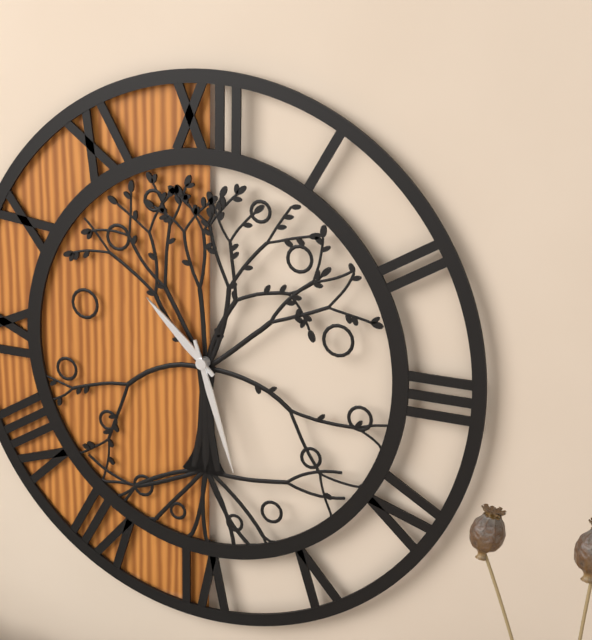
10:27
